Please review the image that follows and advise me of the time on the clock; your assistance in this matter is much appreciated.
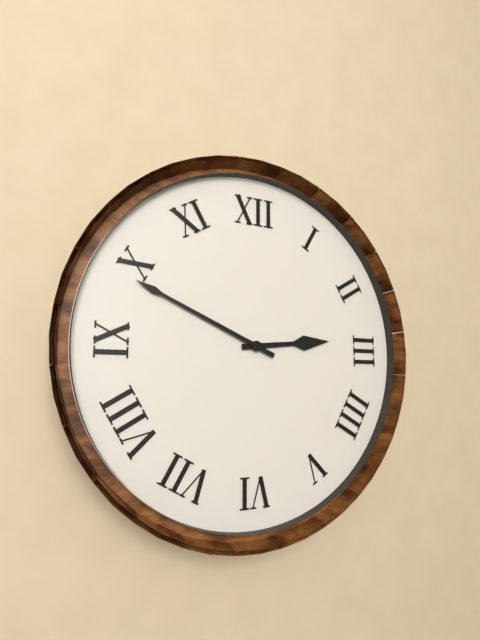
2:49
